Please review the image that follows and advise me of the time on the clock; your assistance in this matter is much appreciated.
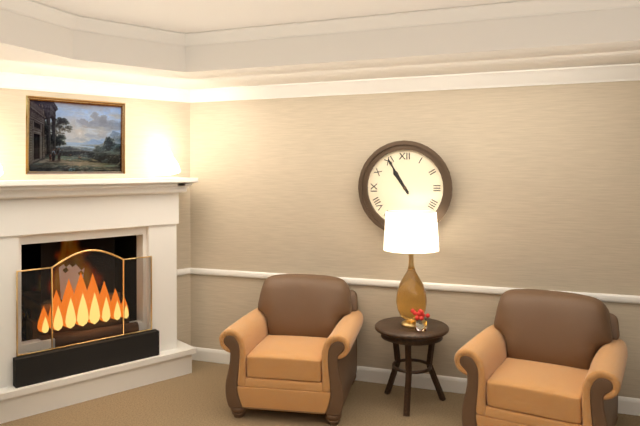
10:55
